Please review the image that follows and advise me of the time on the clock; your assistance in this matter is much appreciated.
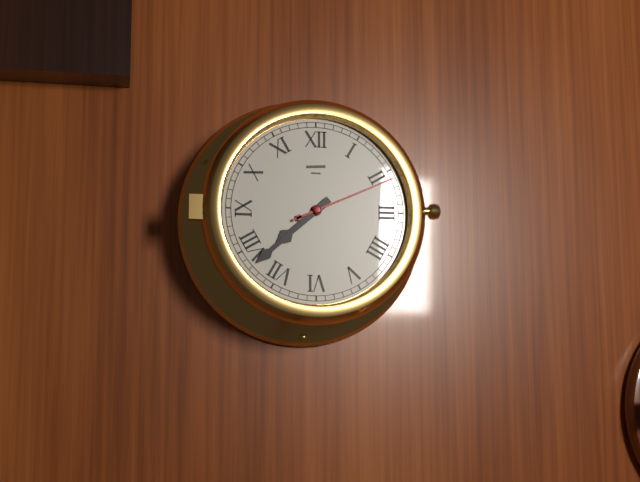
7:38:11
